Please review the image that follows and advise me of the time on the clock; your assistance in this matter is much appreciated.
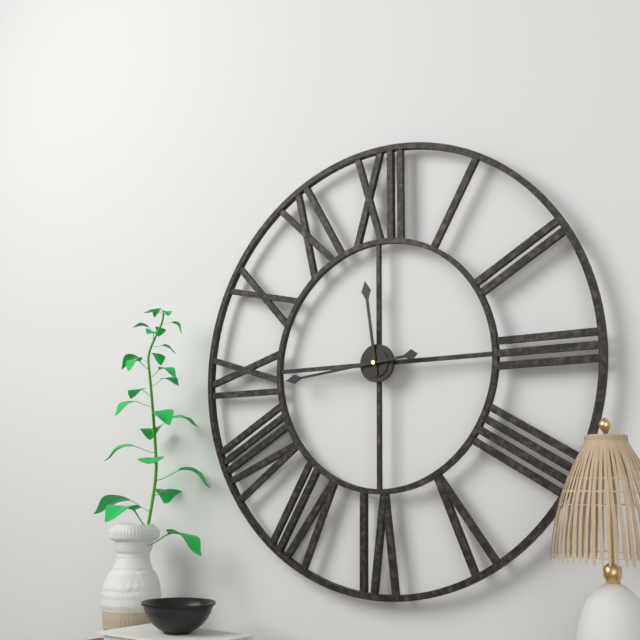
11:44
